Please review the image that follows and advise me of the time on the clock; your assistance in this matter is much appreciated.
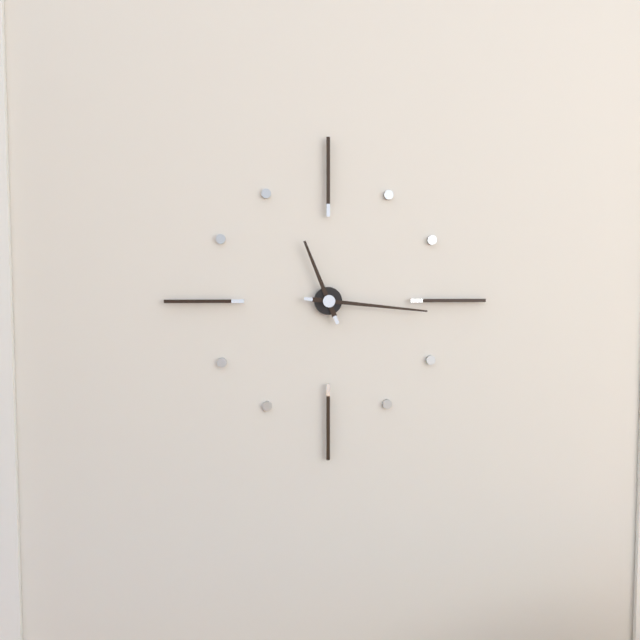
11:16
